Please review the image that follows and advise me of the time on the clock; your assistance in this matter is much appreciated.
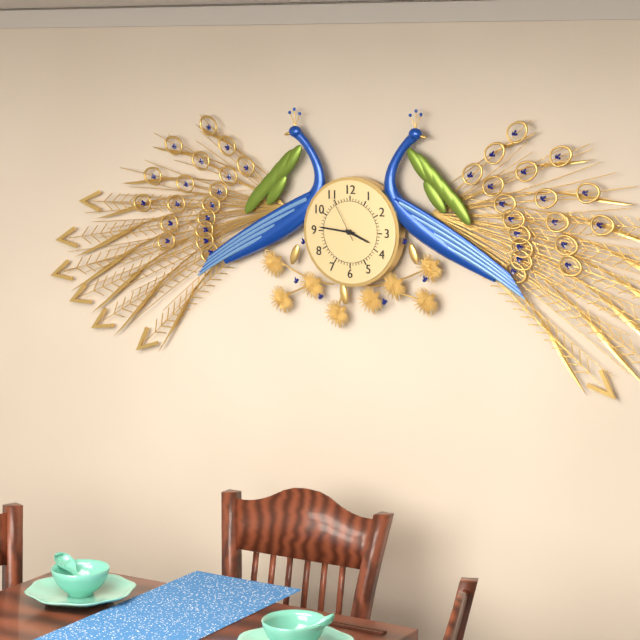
3:46:55
